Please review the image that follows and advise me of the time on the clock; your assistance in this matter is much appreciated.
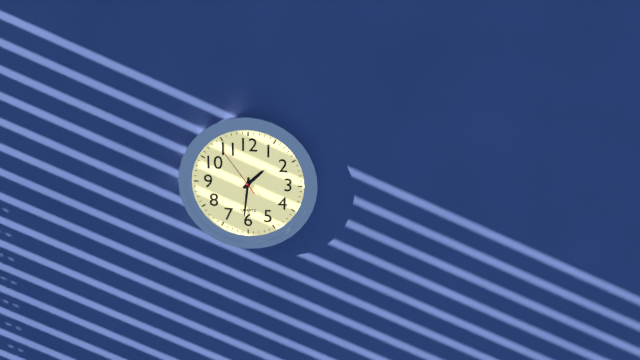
1:31
